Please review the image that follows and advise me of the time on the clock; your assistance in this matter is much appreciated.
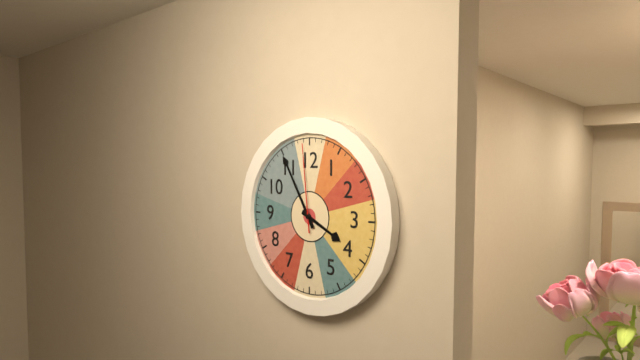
3:55:59
